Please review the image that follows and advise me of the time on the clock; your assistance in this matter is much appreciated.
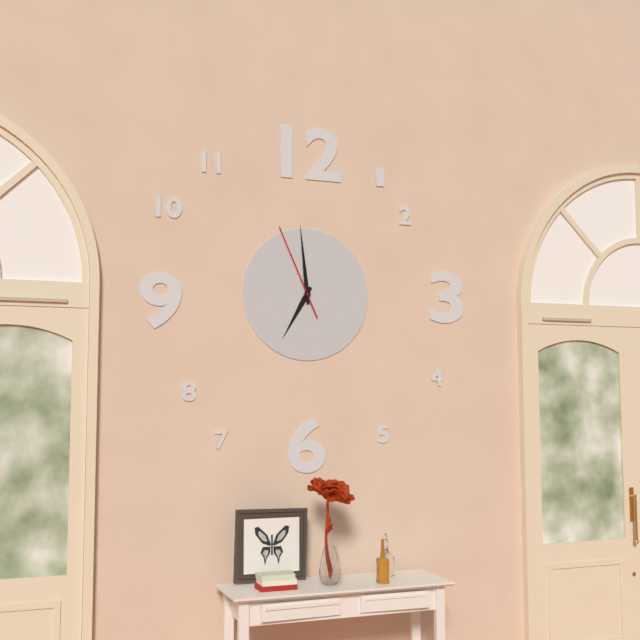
6:59:56
